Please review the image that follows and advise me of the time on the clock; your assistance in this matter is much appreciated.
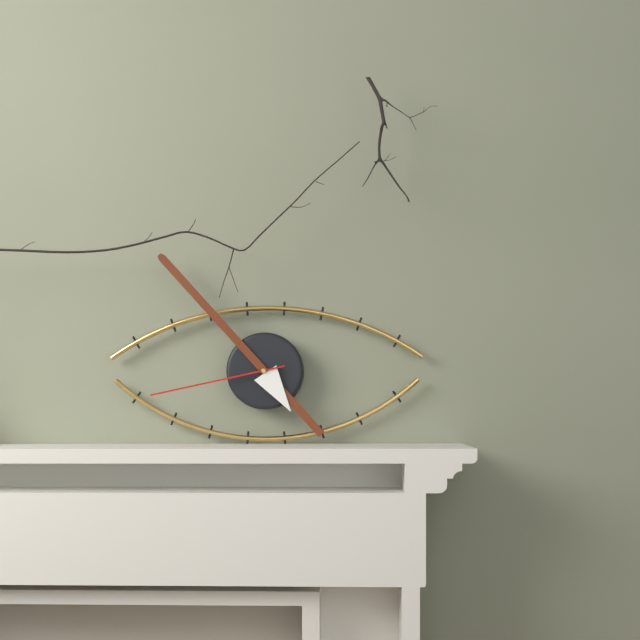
4:53:43
